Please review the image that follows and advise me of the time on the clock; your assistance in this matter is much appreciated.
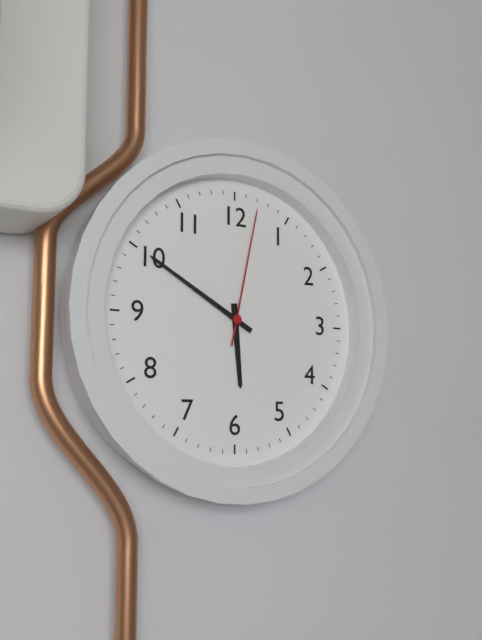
5:50:02
